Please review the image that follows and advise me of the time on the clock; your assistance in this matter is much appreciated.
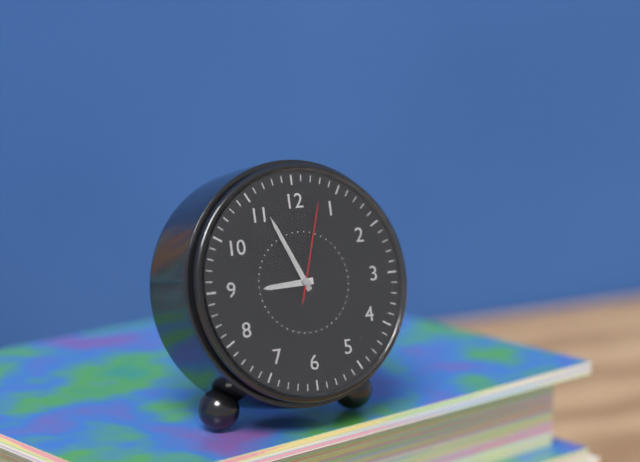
8:56:03
